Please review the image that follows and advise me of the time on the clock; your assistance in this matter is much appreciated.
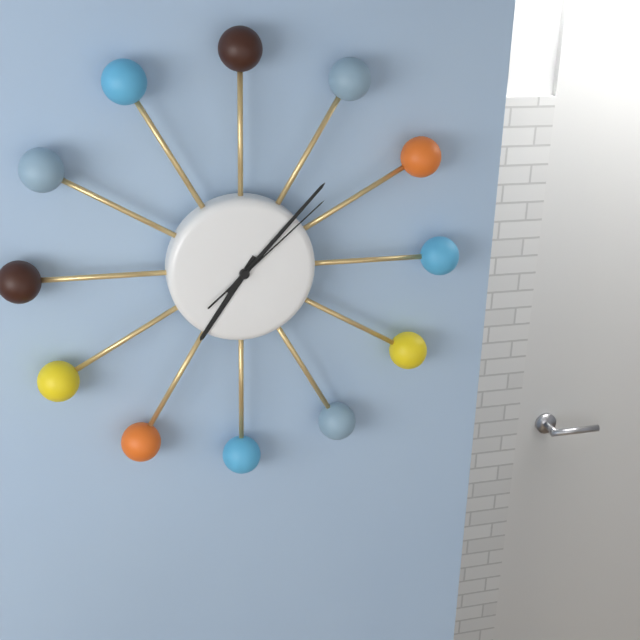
7:07:08
